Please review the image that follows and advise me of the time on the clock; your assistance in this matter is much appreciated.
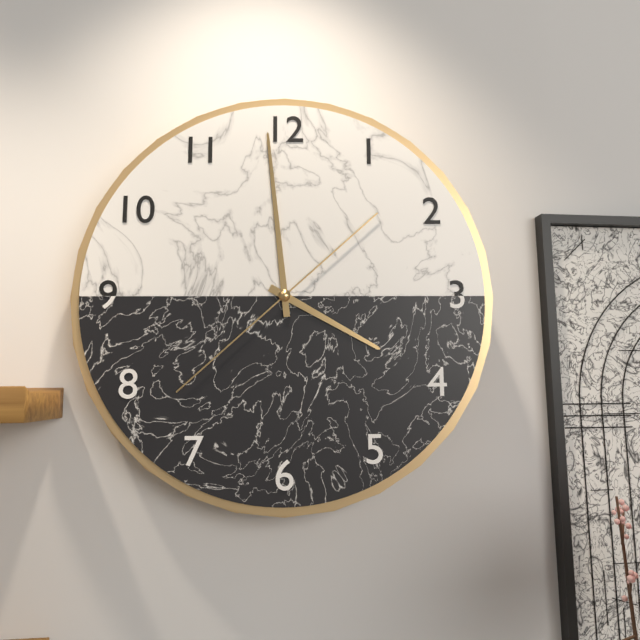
3:59:38
